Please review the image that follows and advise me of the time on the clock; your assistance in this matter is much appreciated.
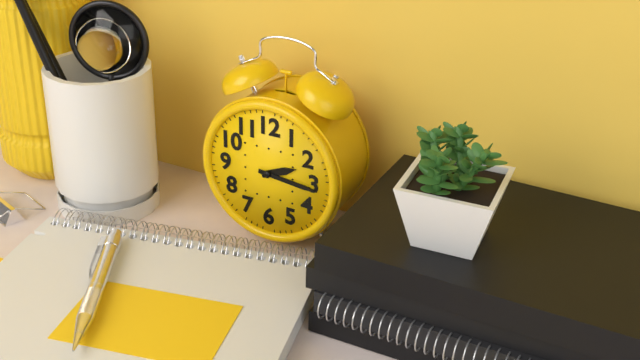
2:16
